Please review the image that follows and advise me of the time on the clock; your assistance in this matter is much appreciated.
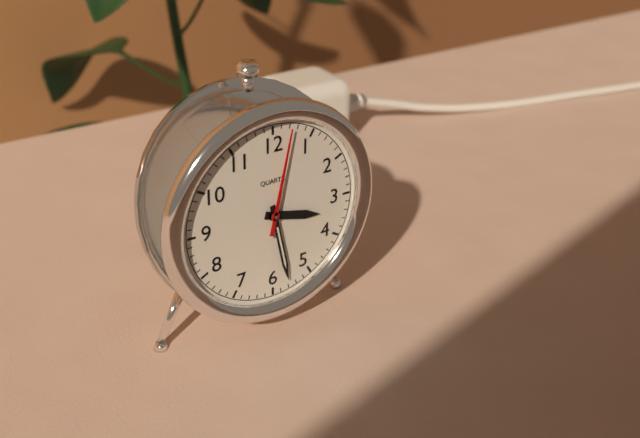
3:28:02
